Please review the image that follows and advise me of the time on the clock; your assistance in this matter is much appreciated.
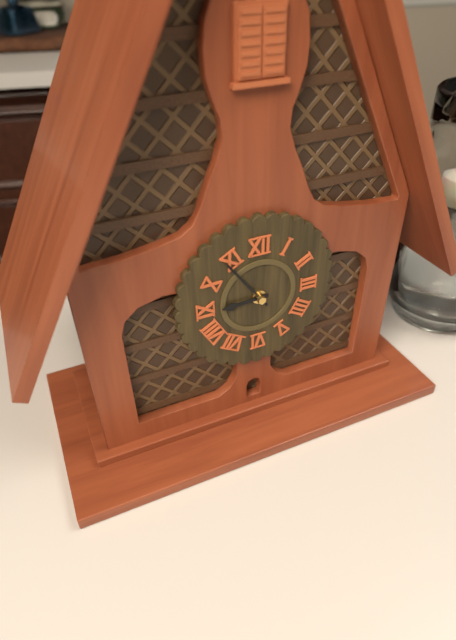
8:54
